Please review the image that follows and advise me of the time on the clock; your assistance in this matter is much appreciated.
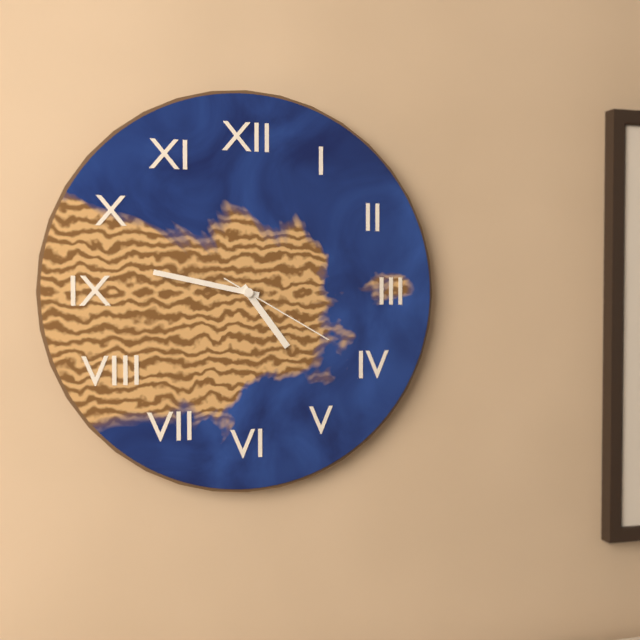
4:47:20
